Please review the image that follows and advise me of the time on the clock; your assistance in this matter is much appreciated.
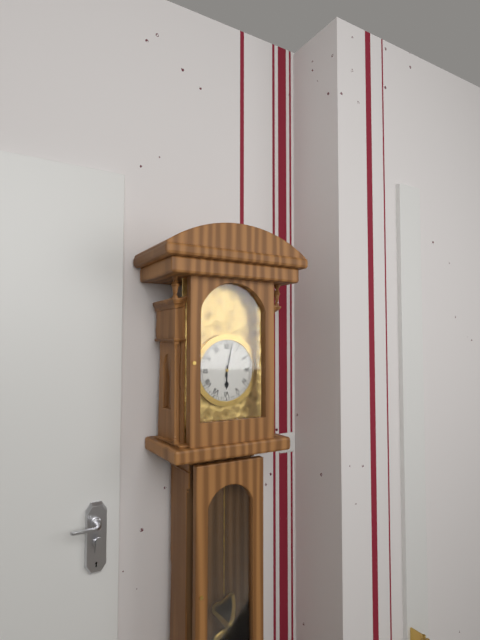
6:02
